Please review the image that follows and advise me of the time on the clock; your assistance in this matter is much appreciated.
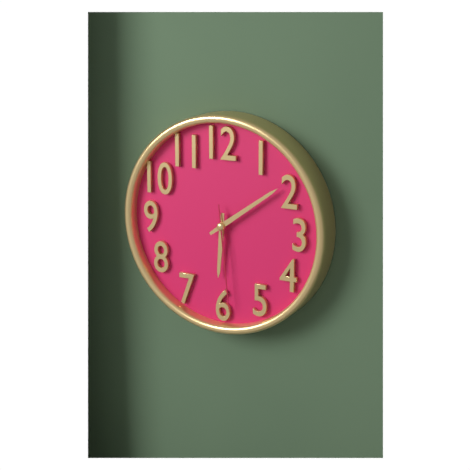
6:09:29
